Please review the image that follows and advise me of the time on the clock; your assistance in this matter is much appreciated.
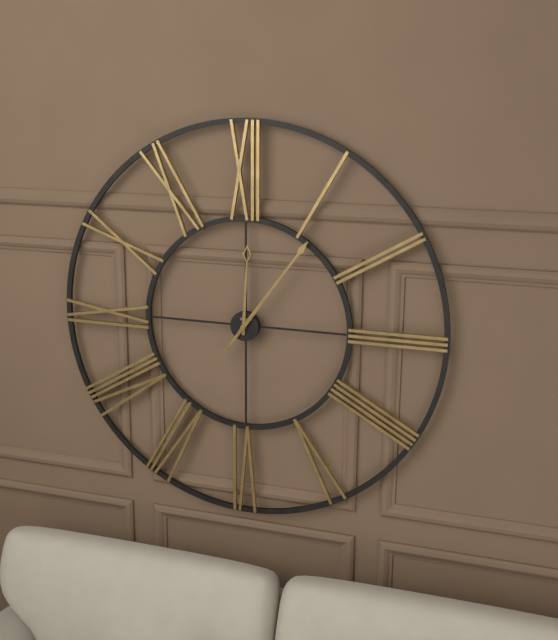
12:06
